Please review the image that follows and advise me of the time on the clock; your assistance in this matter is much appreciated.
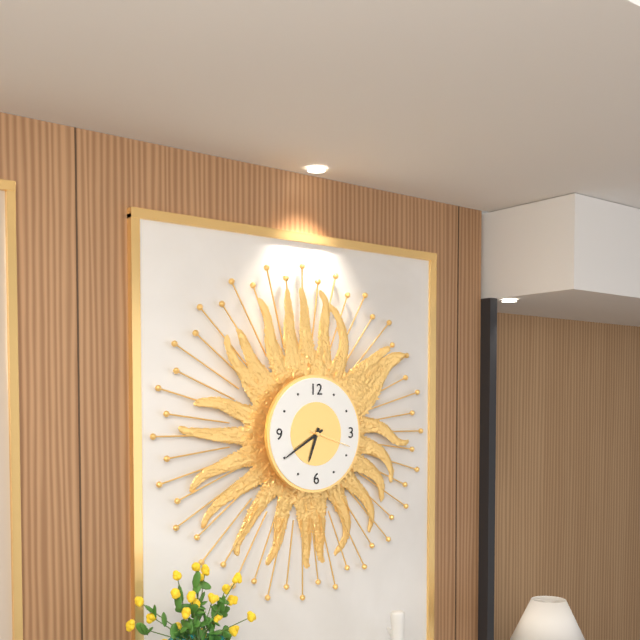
6:40
